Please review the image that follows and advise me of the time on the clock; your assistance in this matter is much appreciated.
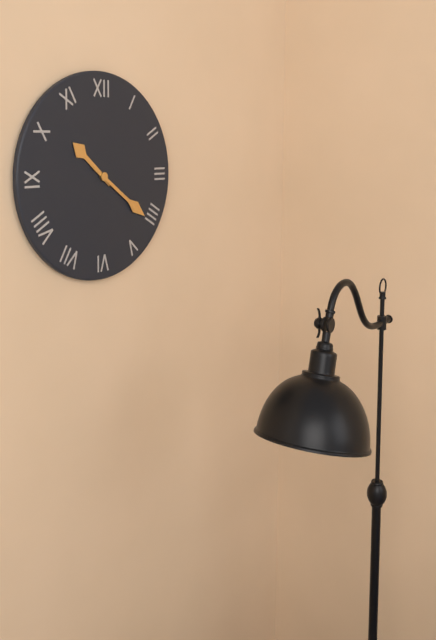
10:21
